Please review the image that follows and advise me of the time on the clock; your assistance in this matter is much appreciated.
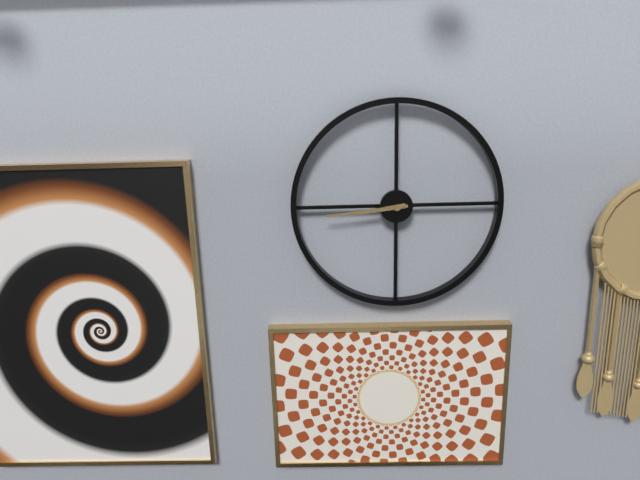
8:44
